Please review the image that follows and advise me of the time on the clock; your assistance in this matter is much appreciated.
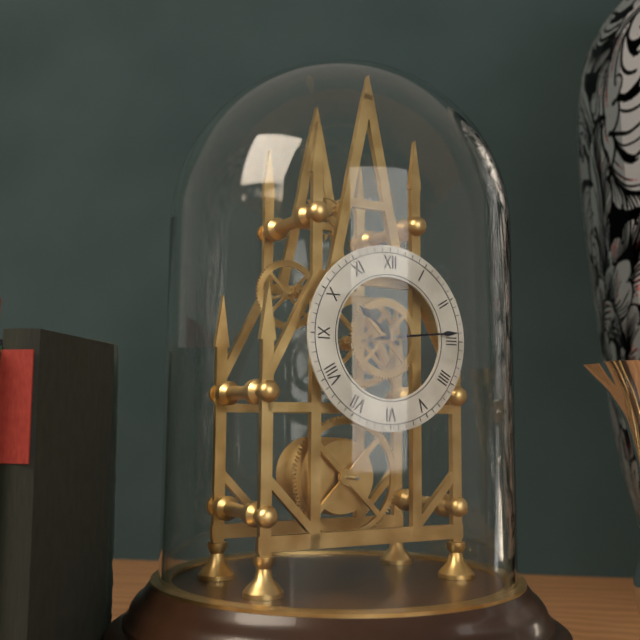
10:14
